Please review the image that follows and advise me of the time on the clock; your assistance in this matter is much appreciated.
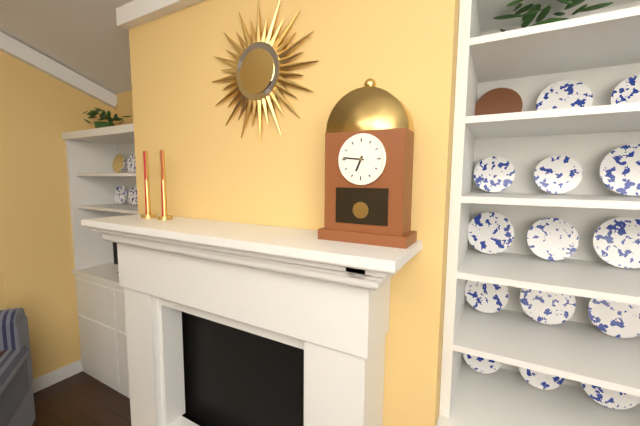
6:46
